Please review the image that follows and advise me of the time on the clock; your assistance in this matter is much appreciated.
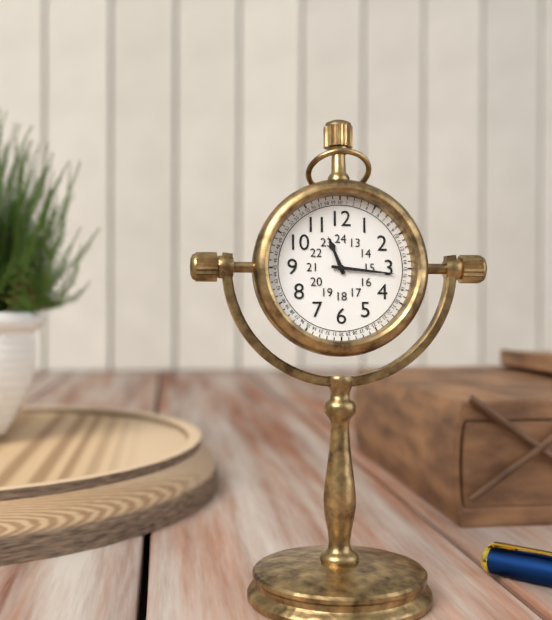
11:16
